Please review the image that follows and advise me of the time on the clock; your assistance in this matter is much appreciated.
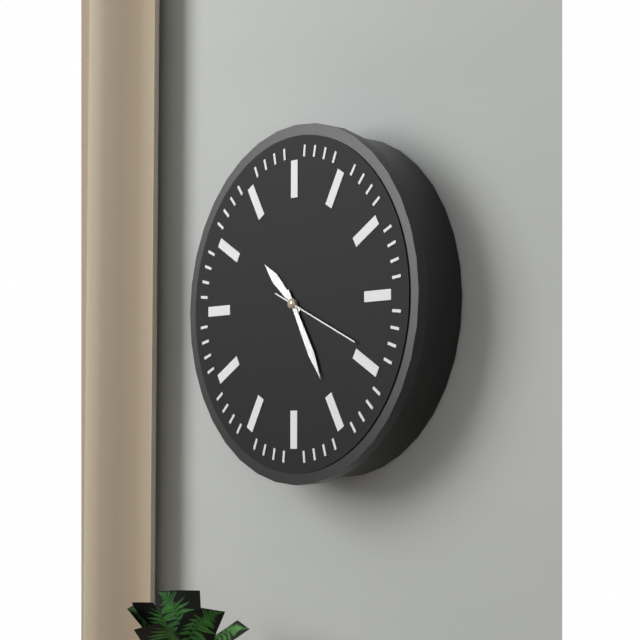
10:25
